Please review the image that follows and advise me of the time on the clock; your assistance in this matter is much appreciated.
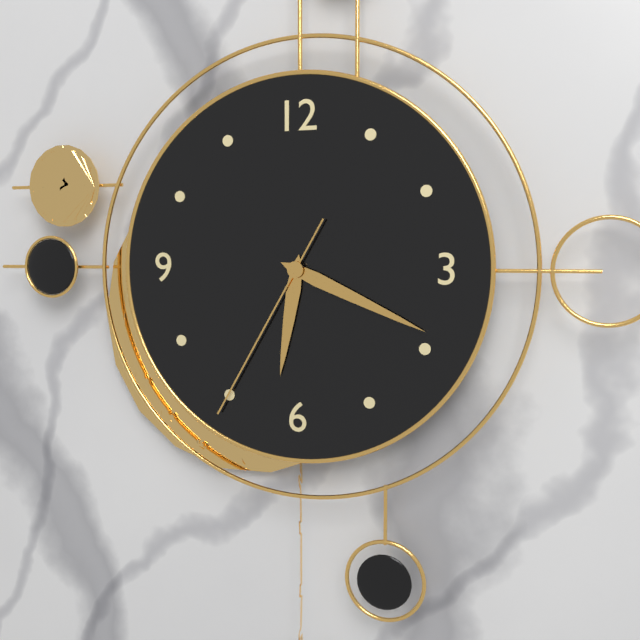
6:19:35
